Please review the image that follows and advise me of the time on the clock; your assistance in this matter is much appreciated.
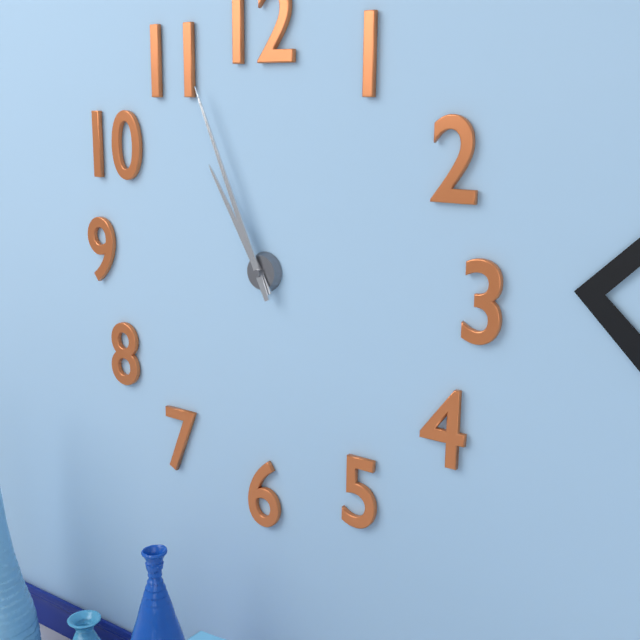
10:56
